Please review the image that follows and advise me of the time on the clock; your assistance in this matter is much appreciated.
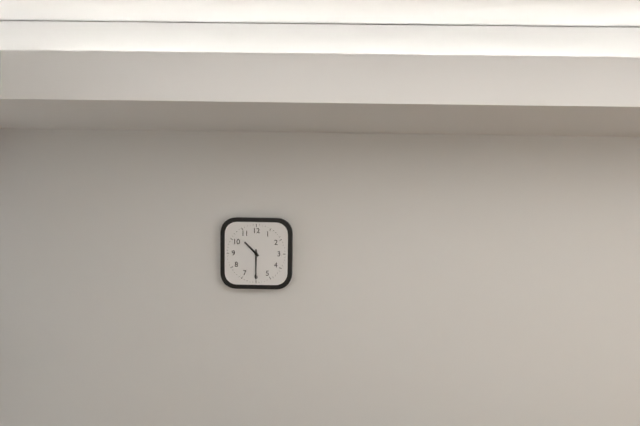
10:30
